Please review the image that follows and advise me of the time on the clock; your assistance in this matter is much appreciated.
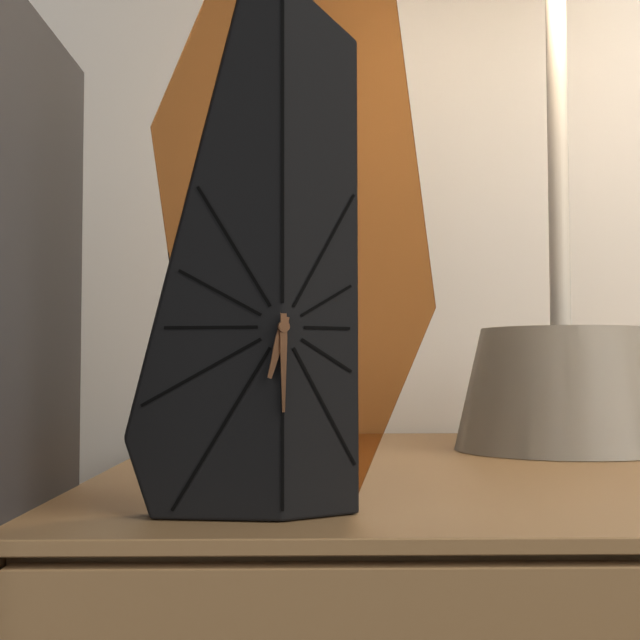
6:30
